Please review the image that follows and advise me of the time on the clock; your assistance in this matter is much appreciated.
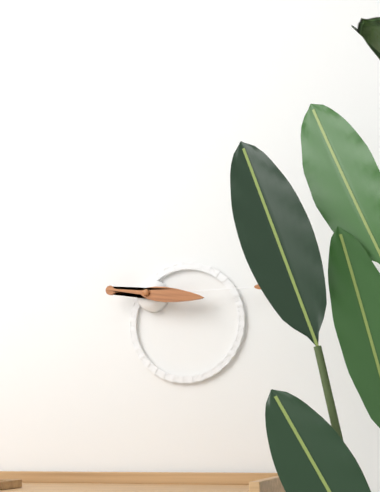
3:15
